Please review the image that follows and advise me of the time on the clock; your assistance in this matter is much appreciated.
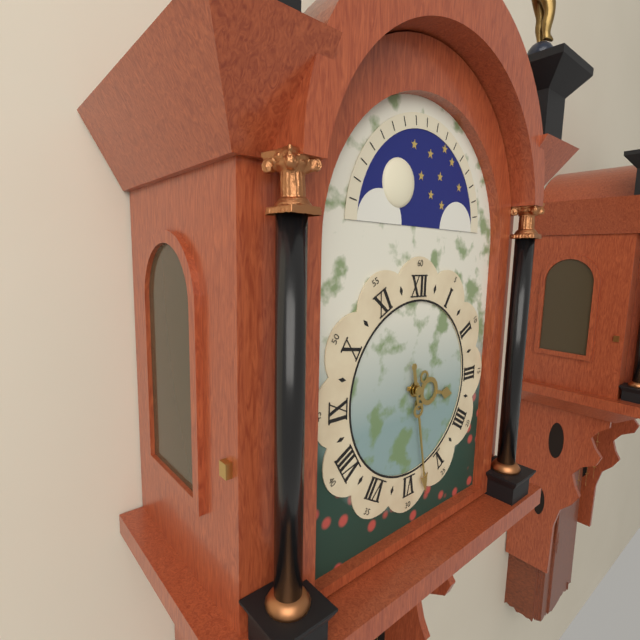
3:28
